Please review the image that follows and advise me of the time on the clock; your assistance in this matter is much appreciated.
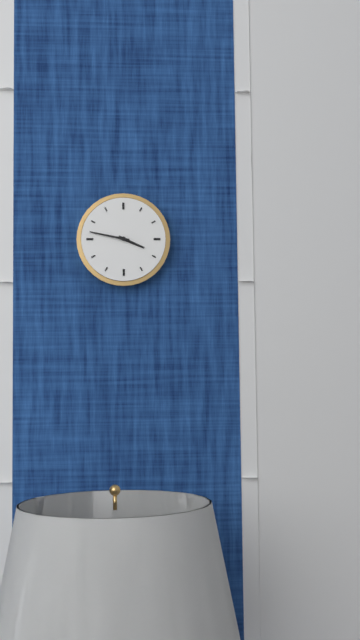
3:47
